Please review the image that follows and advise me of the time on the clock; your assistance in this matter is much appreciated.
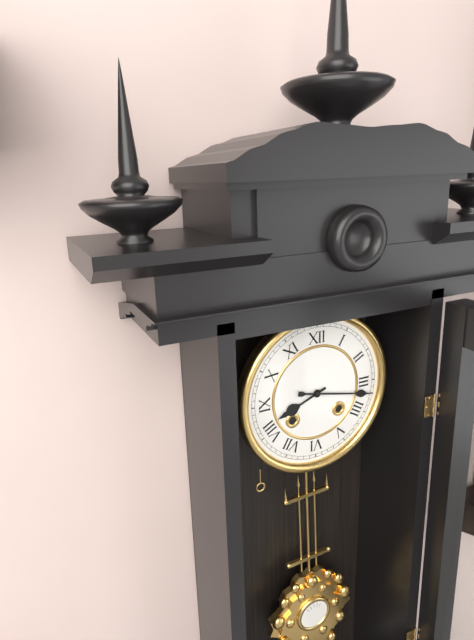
8:17
